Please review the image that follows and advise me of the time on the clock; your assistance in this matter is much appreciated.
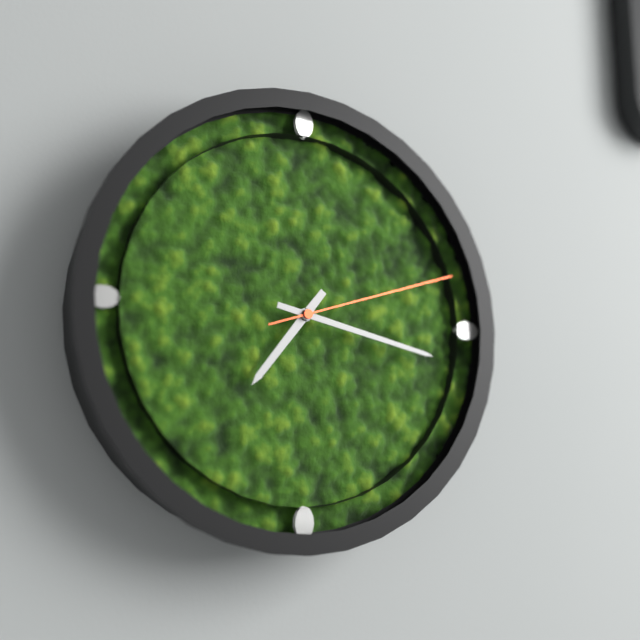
7:17:12
